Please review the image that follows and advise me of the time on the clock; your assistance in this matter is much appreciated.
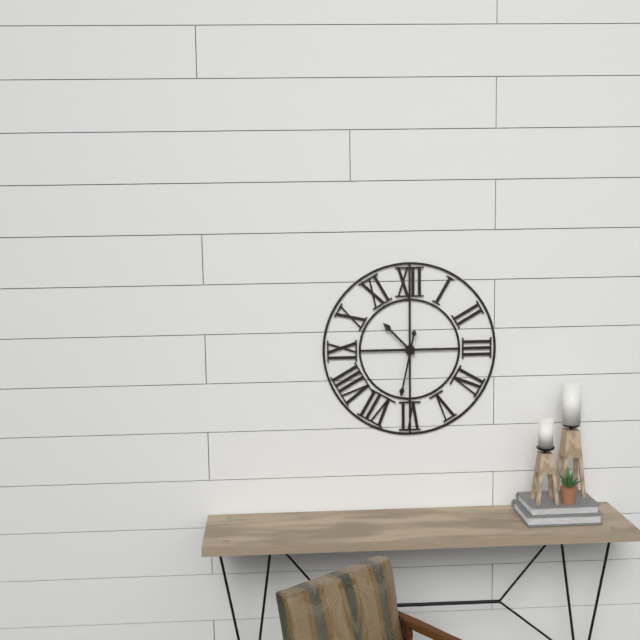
10:32
